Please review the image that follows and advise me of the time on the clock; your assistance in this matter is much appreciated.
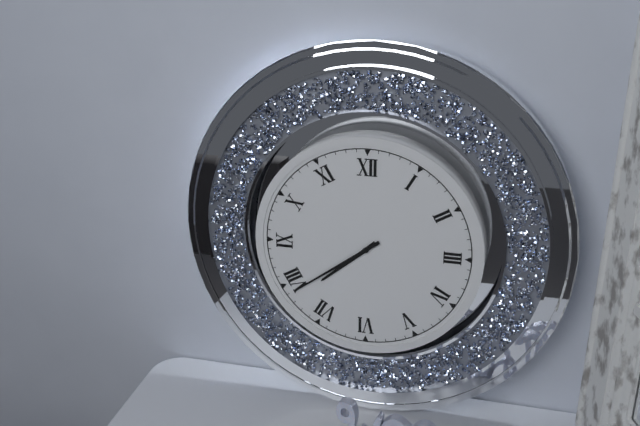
7:39
